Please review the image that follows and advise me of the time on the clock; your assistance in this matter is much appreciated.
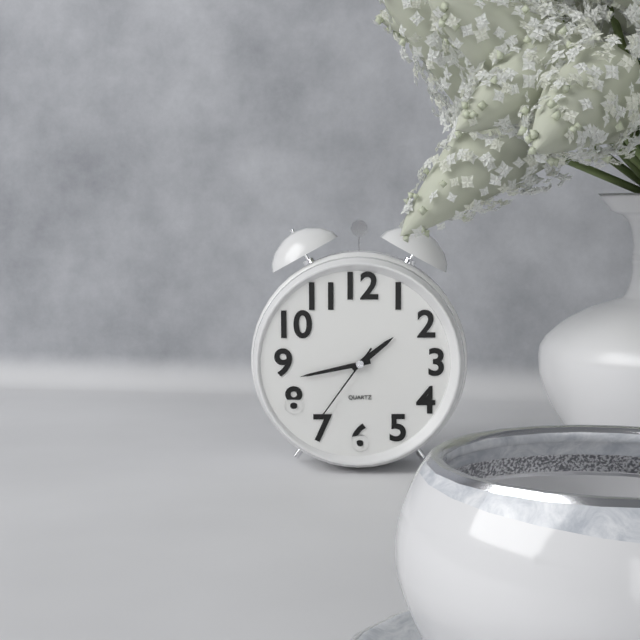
1:43:36
